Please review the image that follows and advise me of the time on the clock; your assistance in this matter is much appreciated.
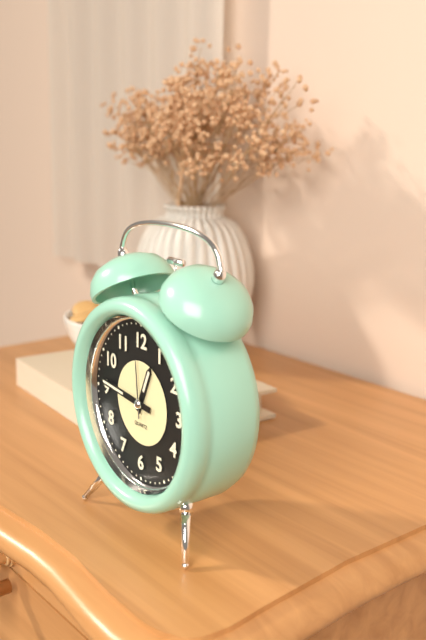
12:46:59
